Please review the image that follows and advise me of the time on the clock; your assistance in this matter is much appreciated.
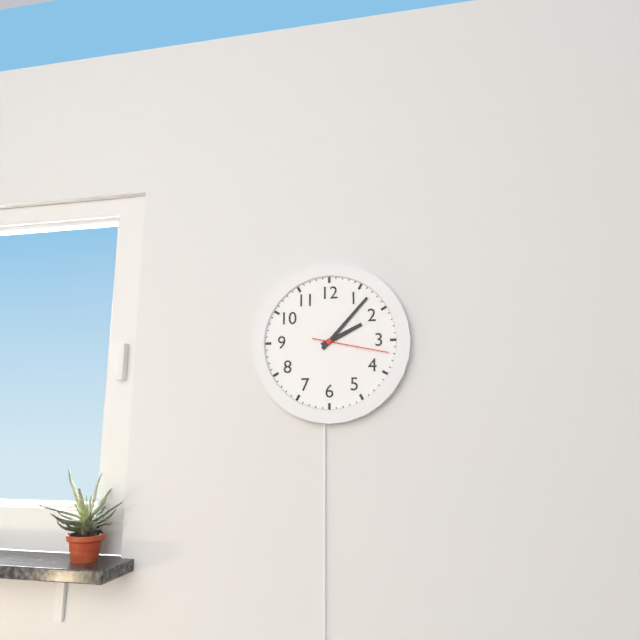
2:07:17
